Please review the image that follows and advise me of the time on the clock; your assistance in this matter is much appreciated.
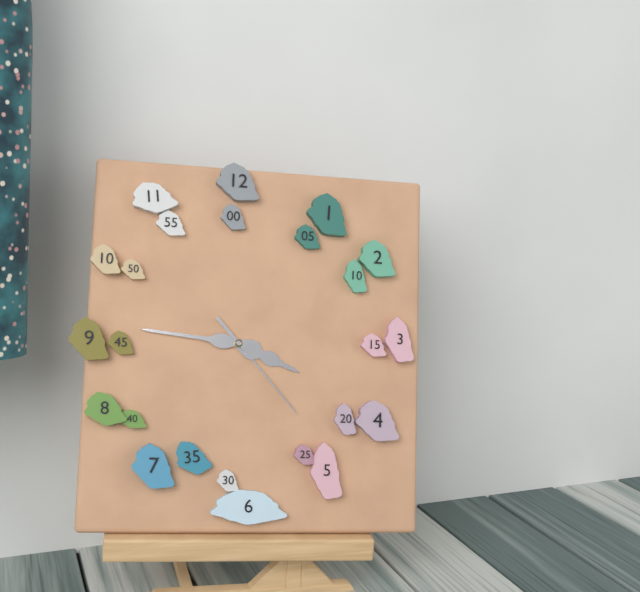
3:46:23
